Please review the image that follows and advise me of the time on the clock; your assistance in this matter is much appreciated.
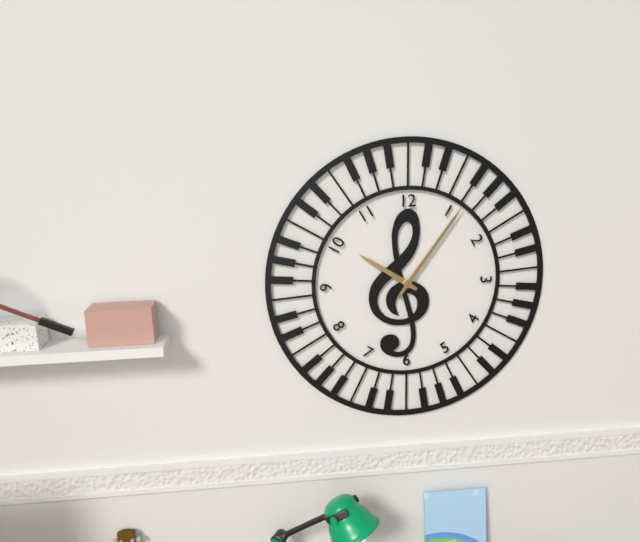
10:06
